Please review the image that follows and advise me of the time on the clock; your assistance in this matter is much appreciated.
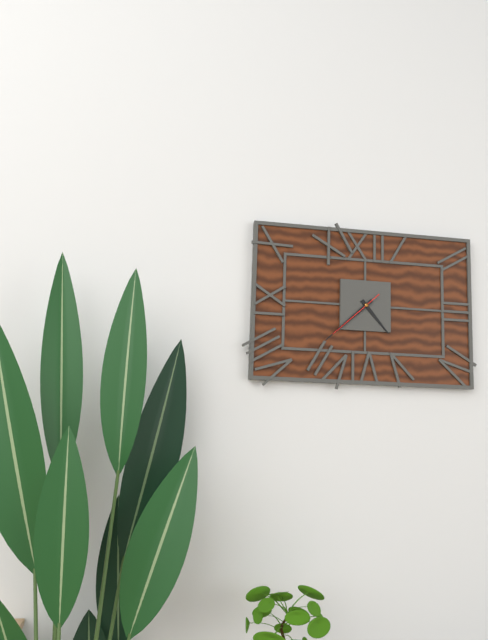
4:38
